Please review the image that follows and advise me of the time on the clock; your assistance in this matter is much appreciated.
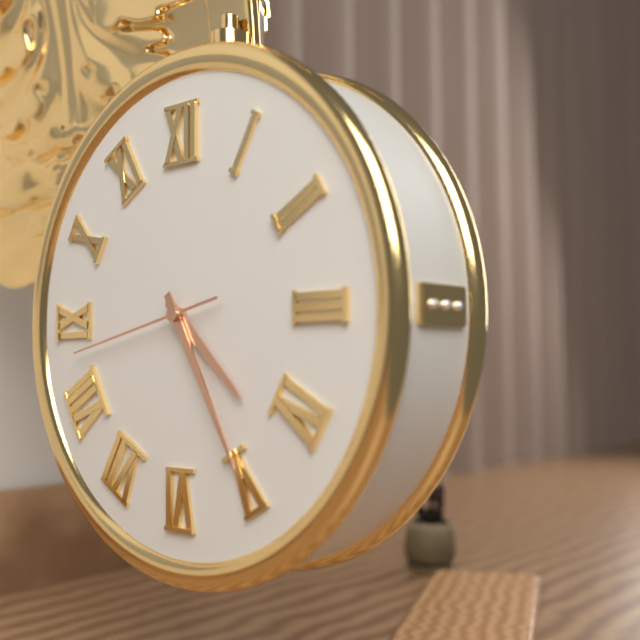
4:25:43
